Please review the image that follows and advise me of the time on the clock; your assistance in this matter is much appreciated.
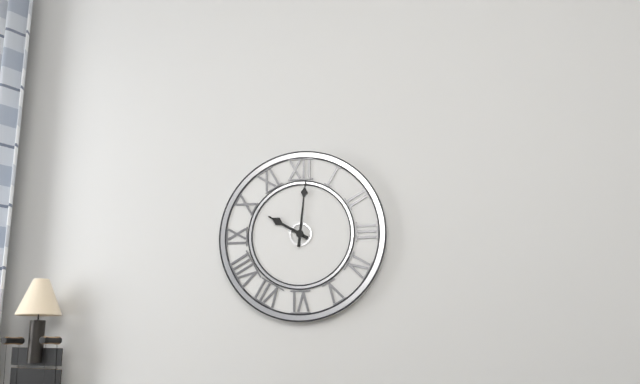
10:01
